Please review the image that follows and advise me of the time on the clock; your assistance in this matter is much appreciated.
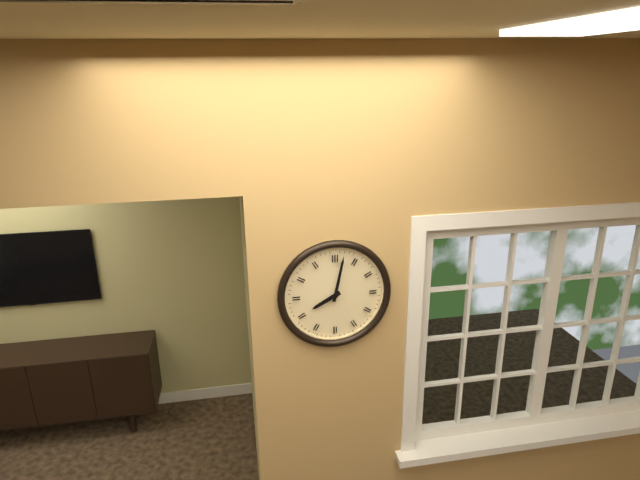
8:02
